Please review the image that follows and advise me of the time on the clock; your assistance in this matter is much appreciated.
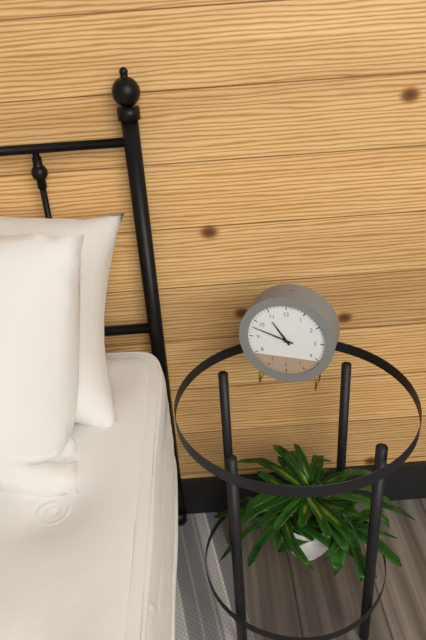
10:48
